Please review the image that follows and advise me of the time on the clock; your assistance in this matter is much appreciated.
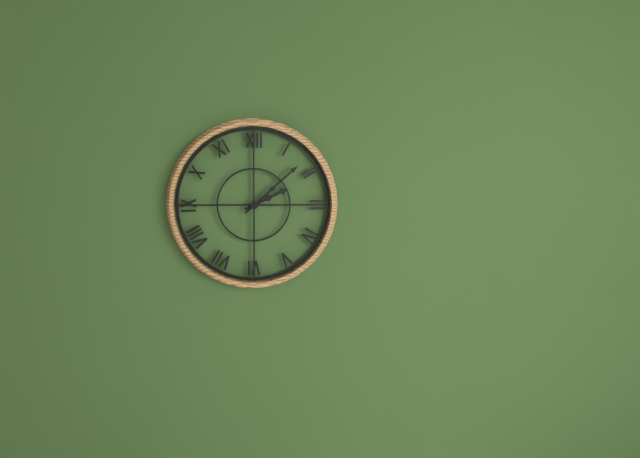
2:08
